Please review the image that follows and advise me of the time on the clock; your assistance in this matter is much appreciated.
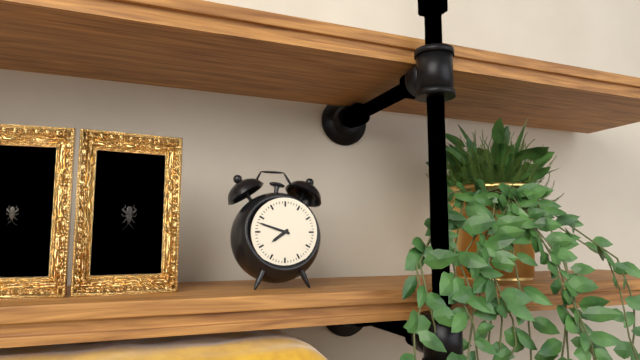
7:48
